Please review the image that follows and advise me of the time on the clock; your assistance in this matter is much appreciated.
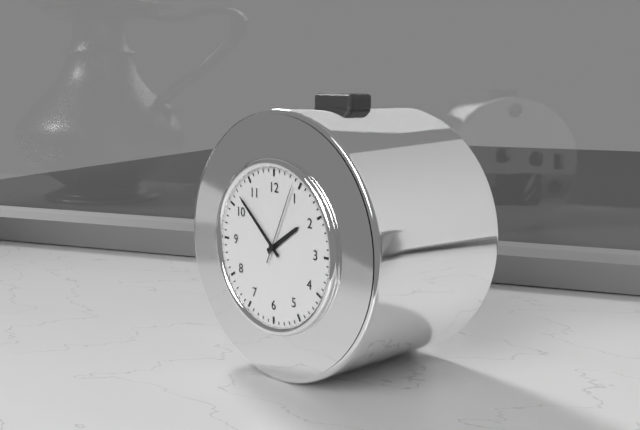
1:52:04
